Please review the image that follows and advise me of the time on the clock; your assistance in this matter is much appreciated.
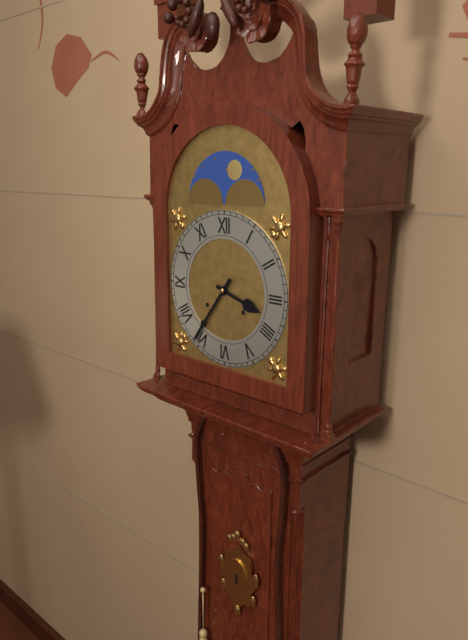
3:36
